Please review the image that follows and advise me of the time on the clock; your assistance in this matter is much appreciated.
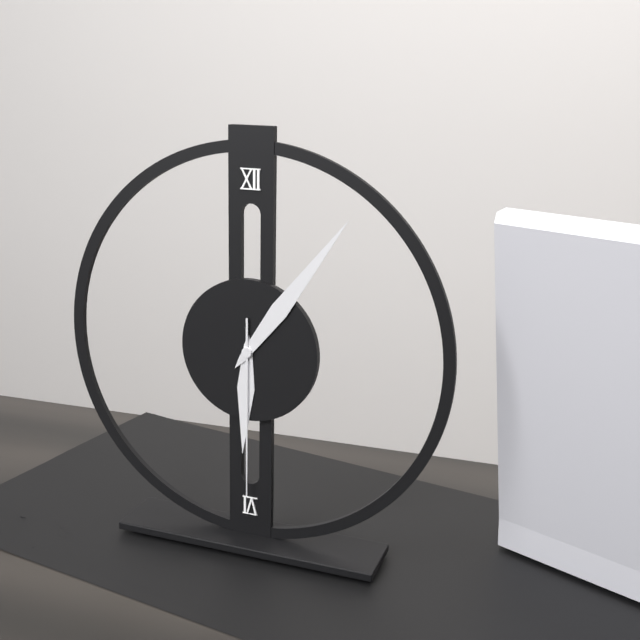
6:06:30
